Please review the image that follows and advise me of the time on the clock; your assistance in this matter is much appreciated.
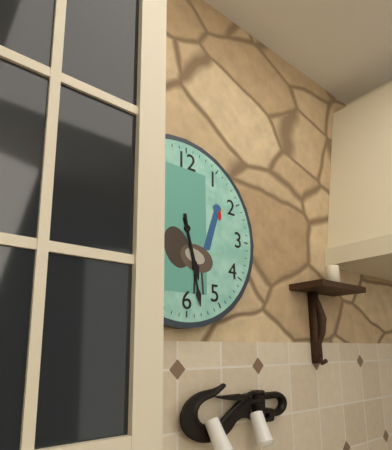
5:28
